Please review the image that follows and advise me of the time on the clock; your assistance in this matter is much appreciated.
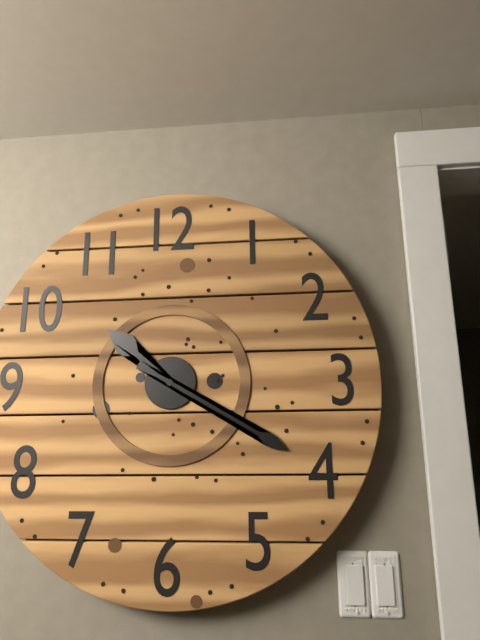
10:20
